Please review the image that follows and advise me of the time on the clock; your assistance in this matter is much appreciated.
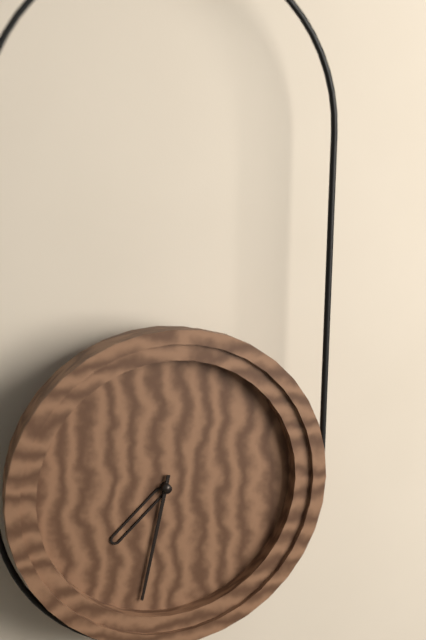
7:32
